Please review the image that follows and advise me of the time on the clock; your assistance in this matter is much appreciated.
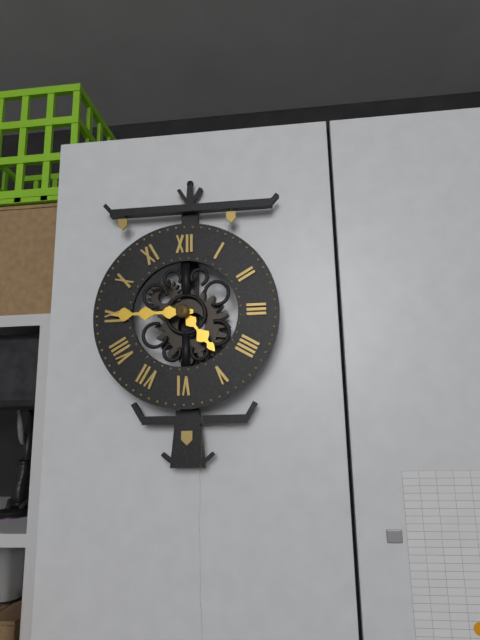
4:45
